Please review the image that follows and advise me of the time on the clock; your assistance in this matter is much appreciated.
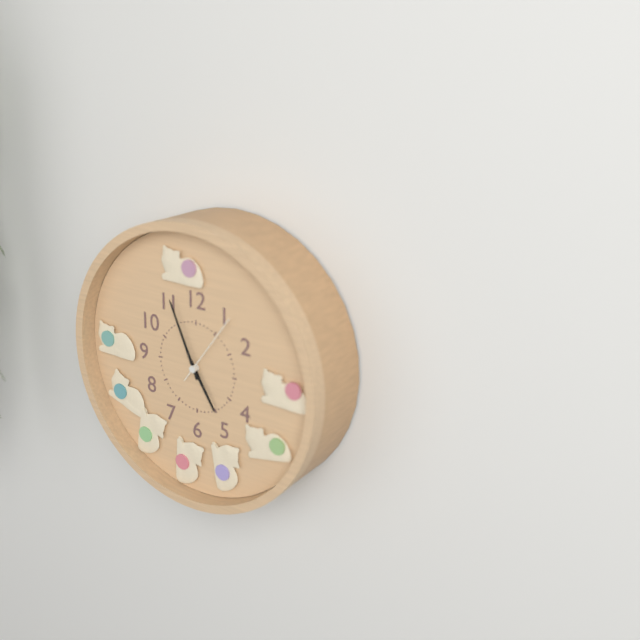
4:56
